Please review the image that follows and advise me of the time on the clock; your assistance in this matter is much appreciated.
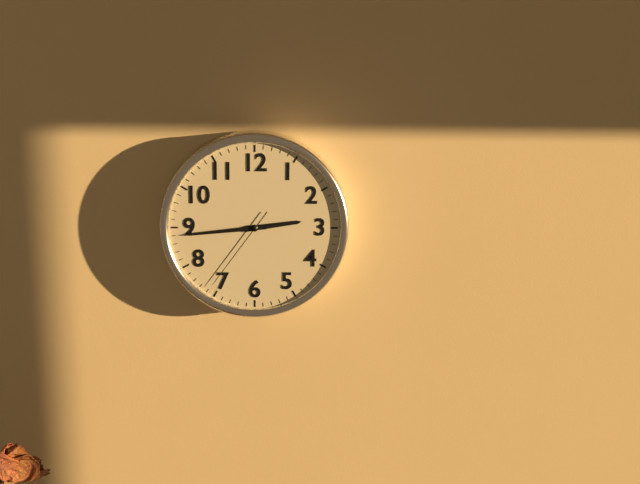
2:44:36
